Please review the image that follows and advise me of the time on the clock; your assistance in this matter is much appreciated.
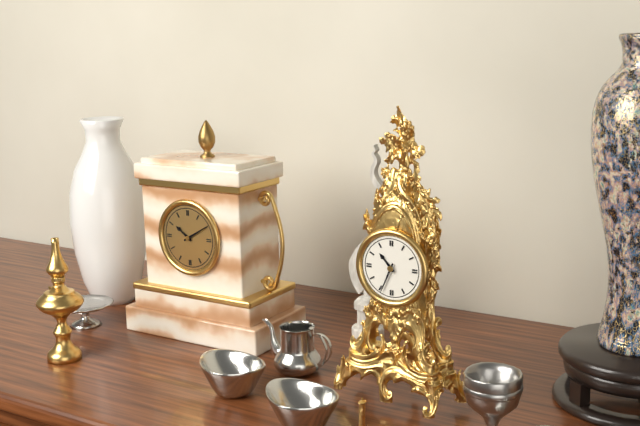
10:34
